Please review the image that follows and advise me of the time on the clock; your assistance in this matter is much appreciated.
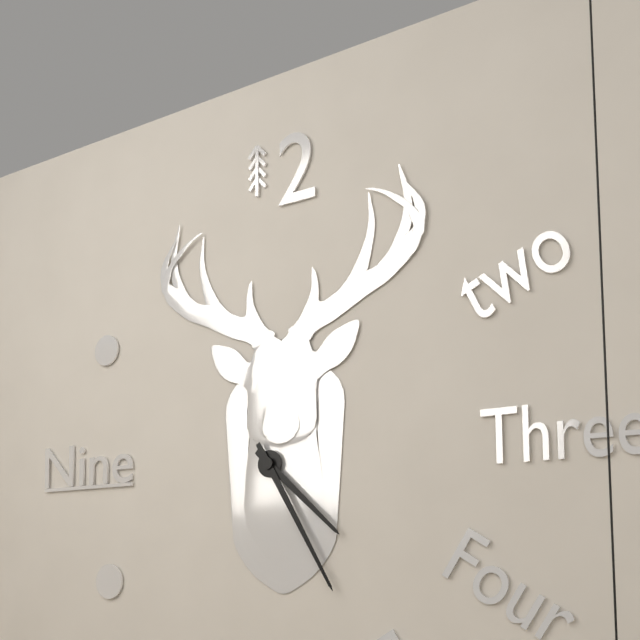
4:25
